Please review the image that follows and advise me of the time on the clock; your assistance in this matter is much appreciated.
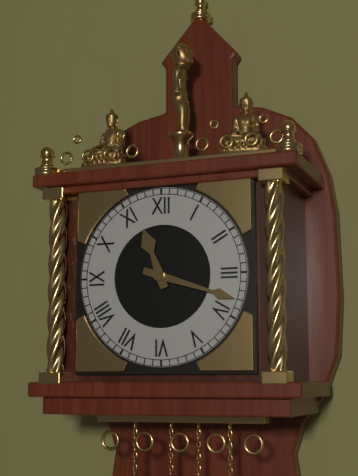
11:18
